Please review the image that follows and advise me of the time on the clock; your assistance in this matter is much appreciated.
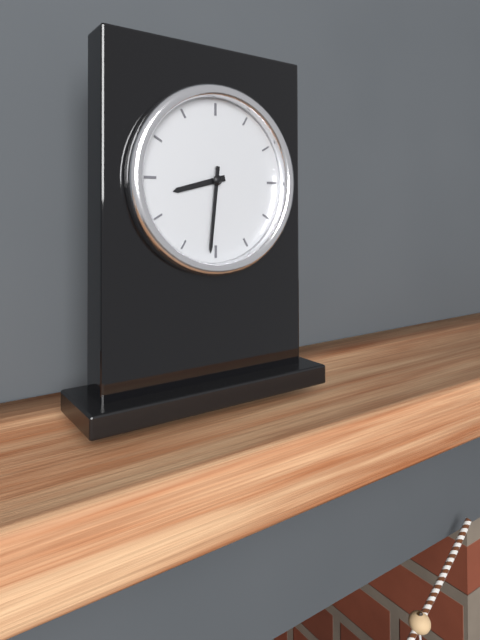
8:31
